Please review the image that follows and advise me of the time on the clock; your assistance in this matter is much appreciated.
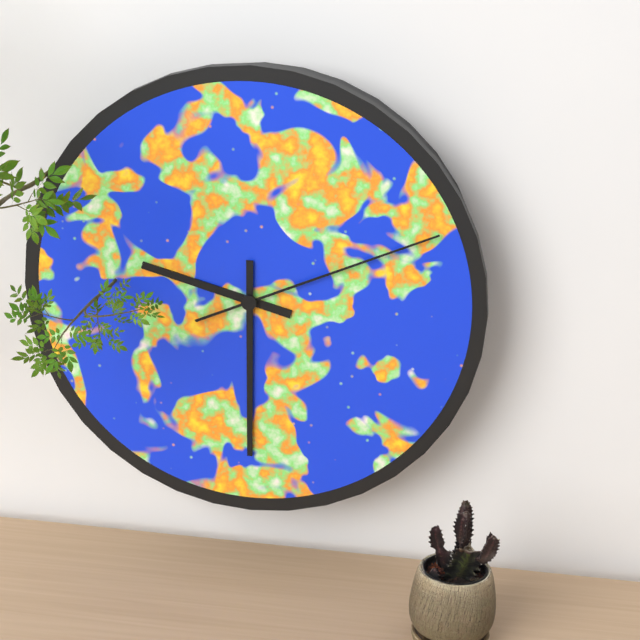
9:30:11
